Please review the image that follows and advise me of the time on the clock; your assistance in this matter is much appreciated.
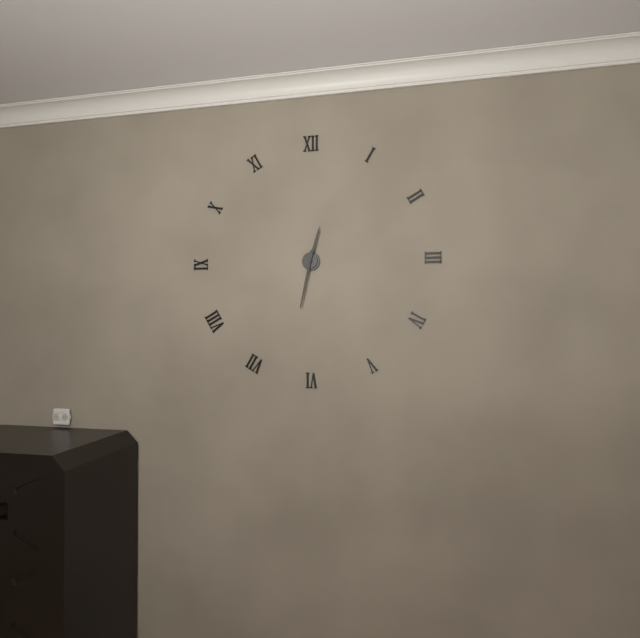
12:32
